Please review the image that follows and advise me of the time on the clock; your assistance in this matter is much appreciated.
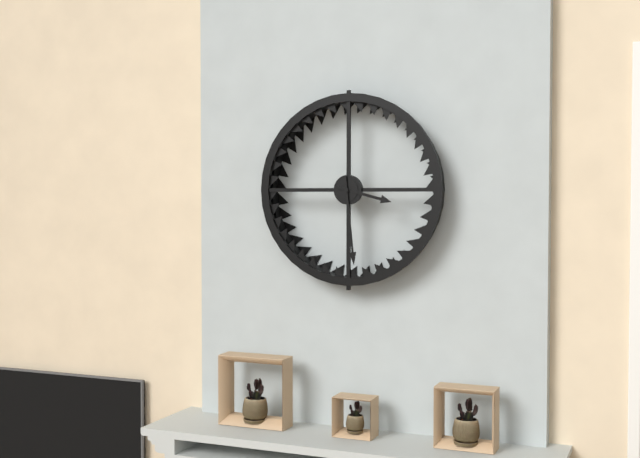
3:29
